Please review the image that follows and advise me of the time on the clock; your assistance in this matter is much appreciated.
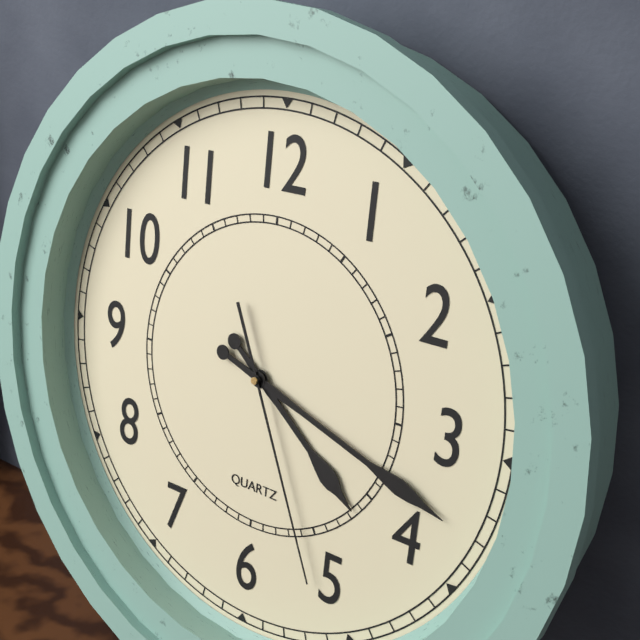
4:18:26
